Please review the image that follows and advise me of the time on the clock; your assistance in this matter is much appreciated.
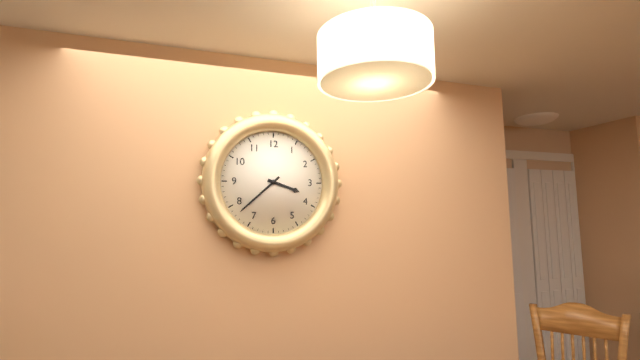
3:38
